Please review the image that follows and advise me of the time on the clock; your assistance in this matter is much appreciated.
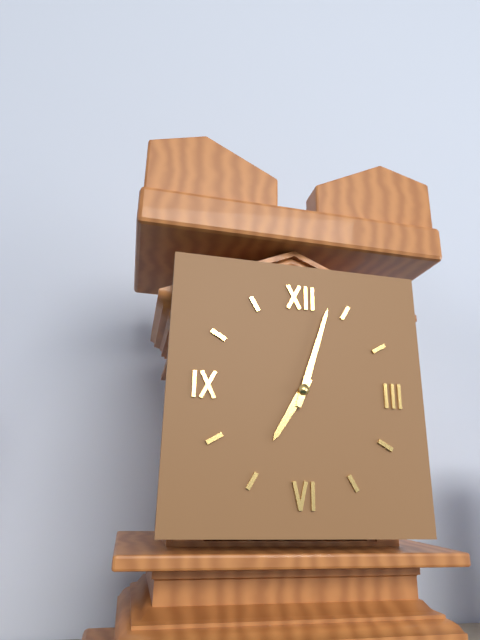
7:03
